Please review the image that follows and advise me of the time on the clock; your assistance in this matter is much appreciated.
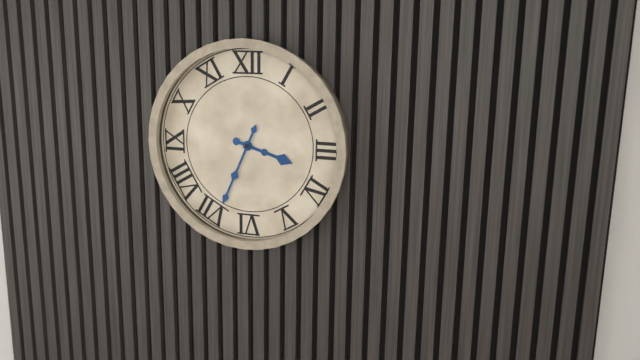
3:34
